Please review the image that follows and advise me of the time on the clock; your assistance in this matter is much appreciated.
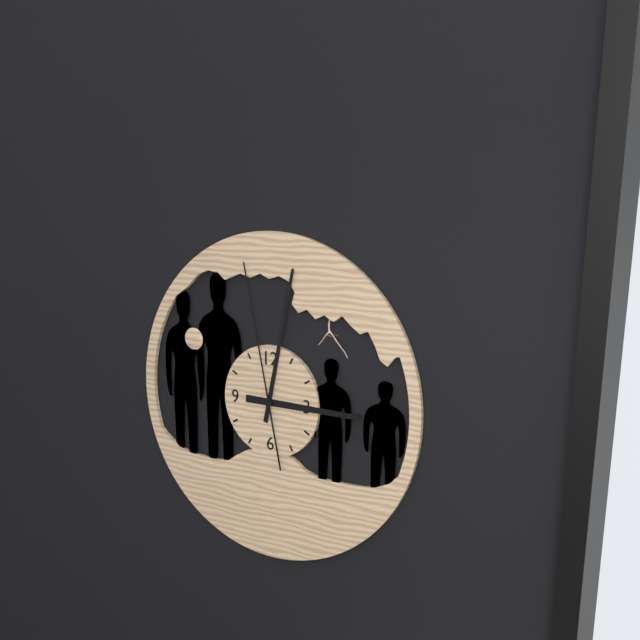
3:02:58
